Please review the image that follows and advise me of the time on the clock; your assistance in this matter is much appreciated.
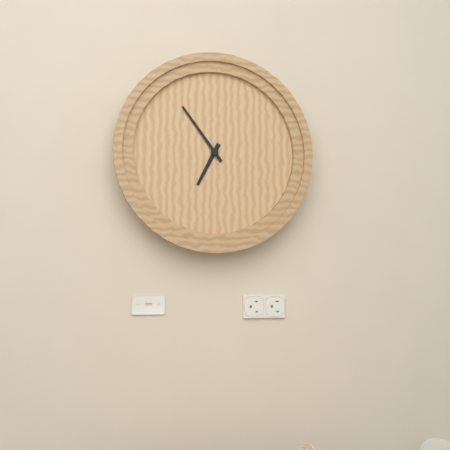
6:54
